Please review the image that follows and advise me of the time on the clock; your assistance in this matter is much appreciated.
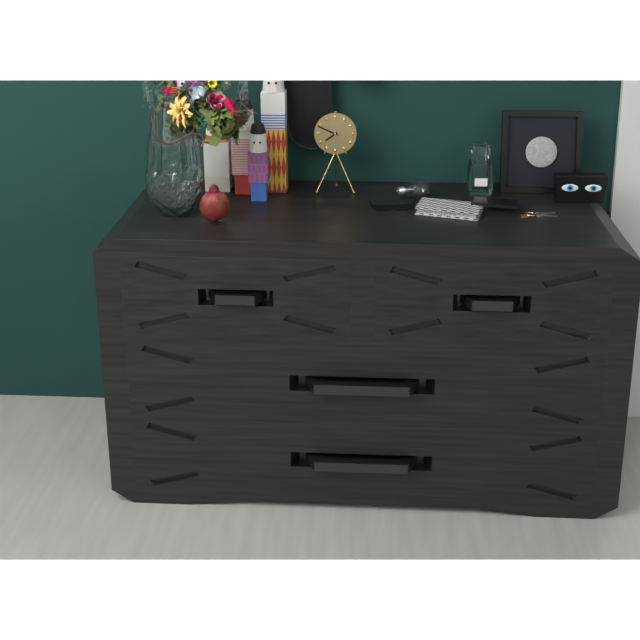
7:49
